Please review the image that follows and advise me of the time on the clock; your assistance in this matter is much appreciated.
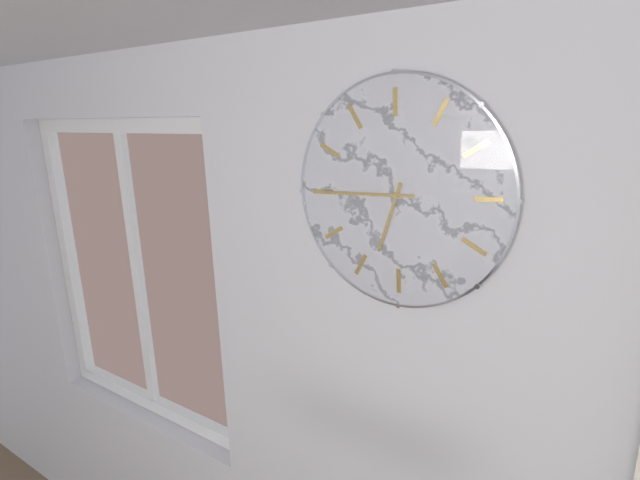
5:40
